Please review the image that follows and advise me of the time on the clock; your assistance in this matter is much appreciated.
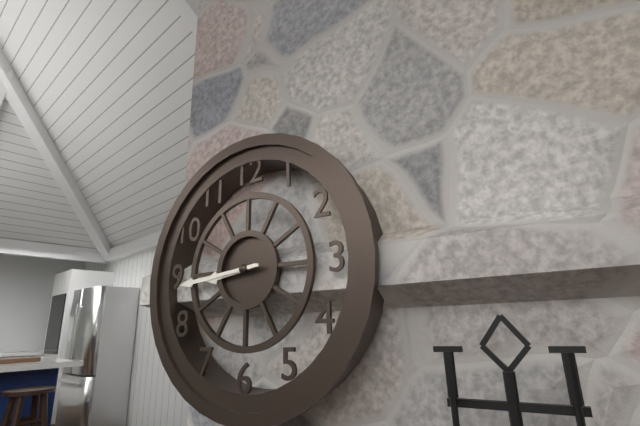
8:44
